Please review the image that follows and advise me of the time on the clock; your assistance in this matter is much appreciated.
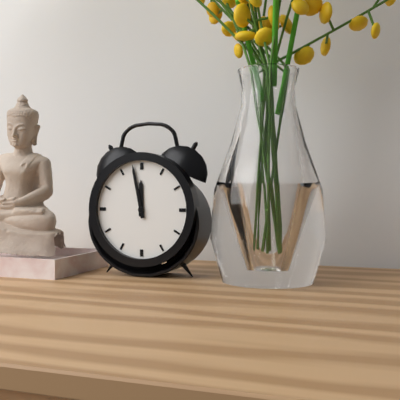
11:58
